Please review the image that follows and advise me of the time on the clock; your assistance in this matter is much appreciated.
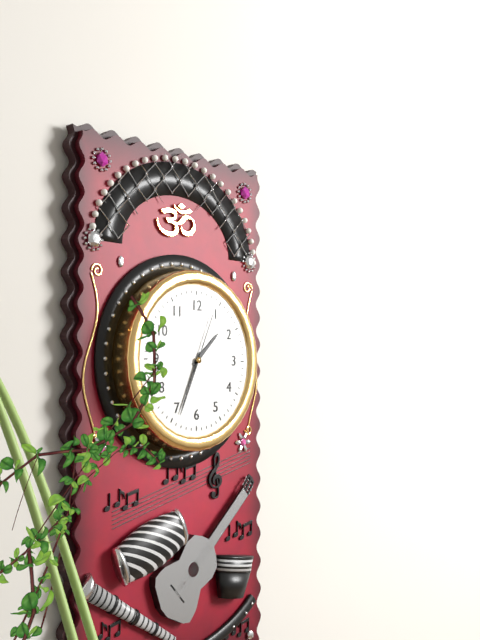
1:34:04
